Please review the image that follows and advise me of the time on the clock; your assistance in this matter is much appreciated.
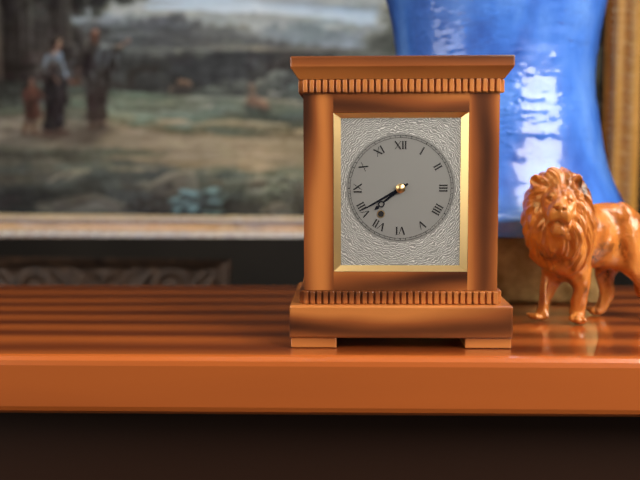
7:40
